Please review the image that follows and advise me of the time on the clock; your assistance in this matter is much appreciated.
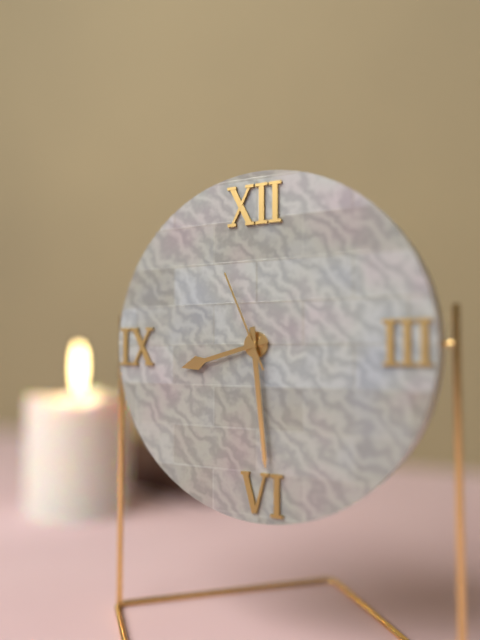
8:29:56
